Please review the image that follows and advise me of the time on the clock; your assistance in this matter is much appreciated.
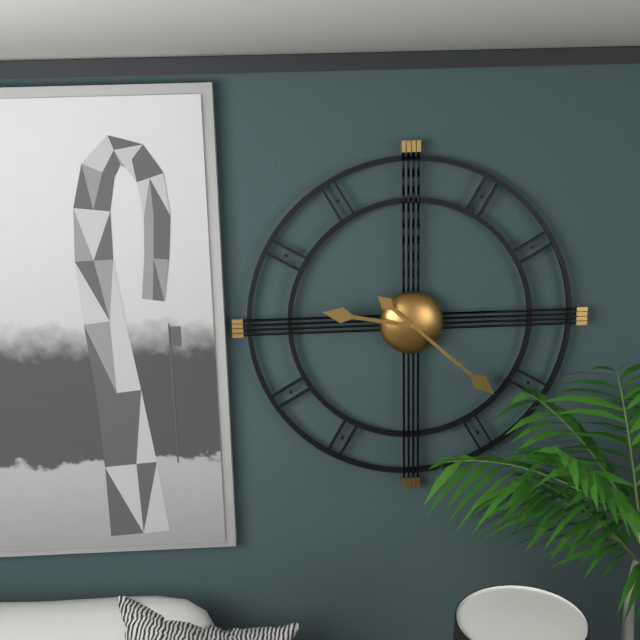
9:22
